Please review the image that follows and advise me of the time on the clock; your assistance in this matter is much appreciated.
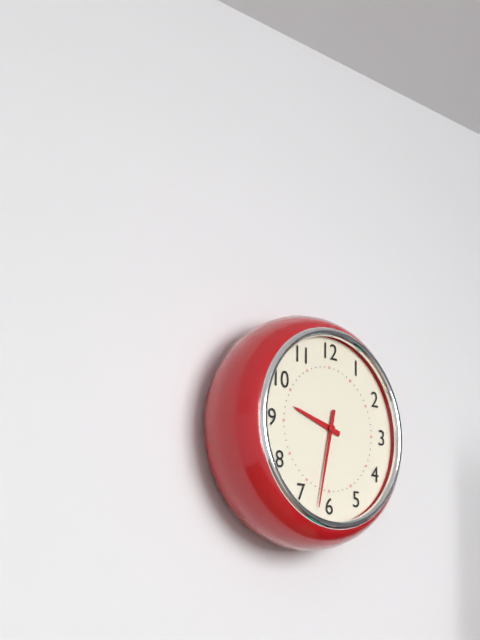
9:32
